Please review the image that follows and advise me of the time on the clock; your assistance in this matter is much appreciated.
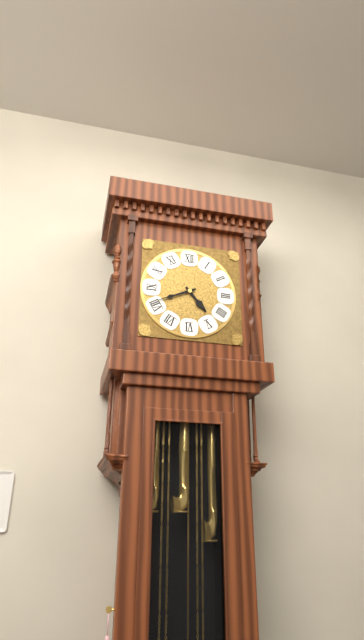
4:41
